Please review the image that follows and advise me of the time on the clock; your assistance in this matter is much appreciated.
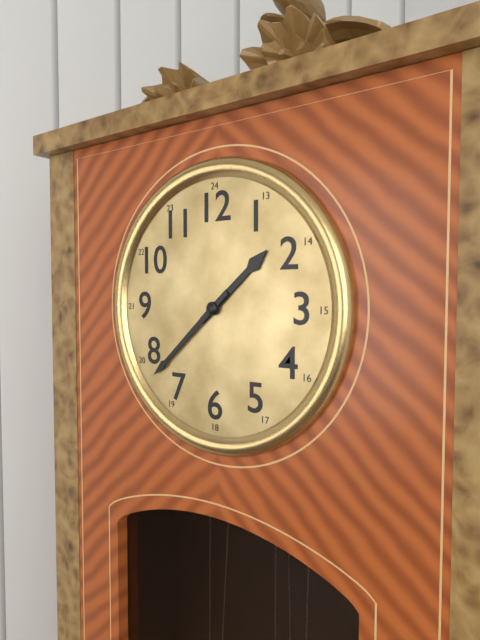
1:38
